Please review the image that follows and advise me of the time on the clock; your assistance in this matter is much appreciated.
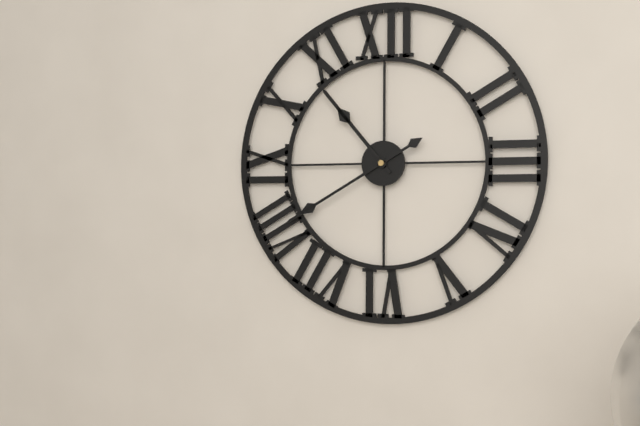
10:40
